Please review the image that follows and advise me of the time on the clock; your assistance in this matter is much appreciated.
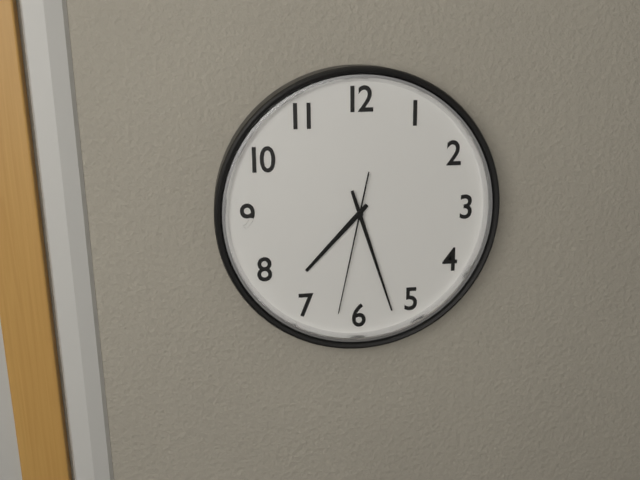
7:27:32
